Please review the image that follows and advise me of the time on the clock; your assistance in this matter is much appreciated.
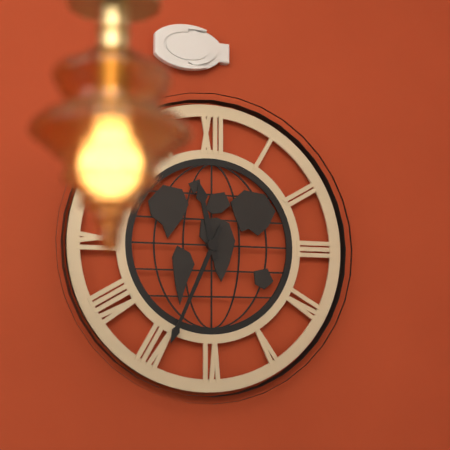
11:34
